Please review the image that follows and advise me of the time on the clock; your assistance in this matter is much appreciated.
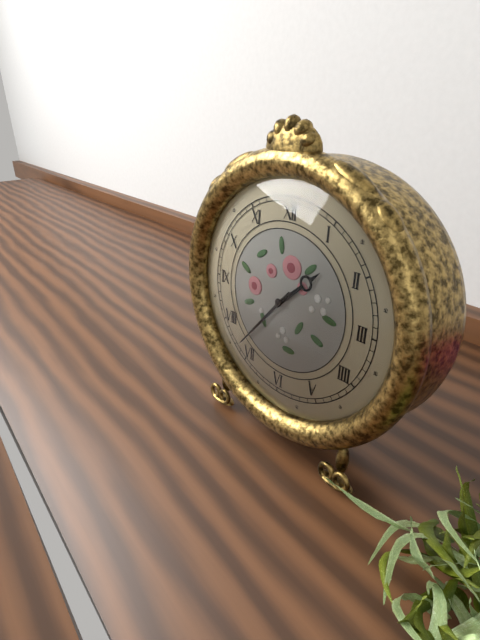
1:37
